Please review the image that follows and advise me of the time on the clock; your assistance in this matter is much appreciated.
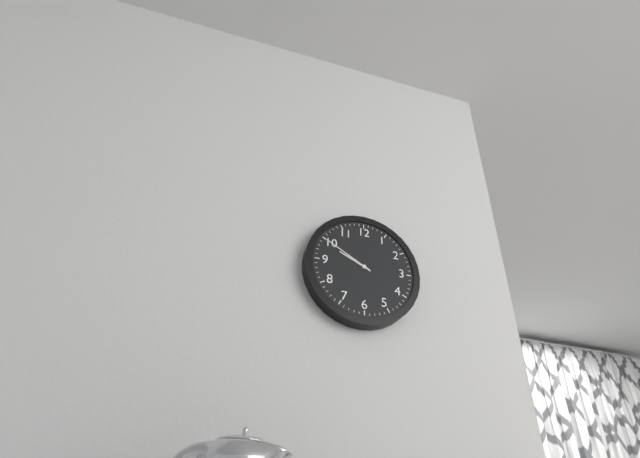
9:50
